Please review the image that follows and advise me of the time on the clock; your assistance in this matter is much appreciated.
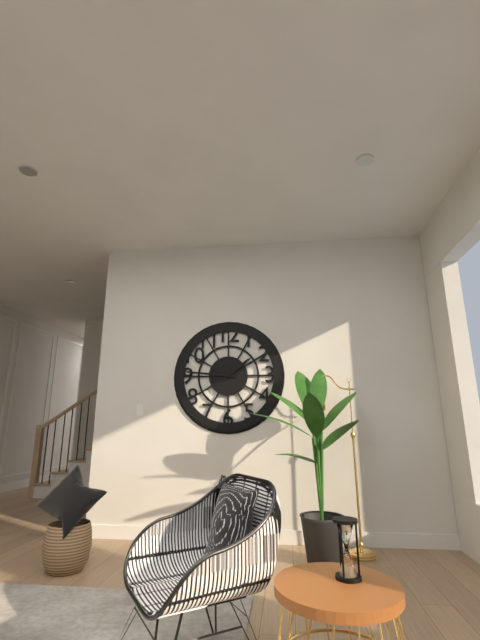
1:46
